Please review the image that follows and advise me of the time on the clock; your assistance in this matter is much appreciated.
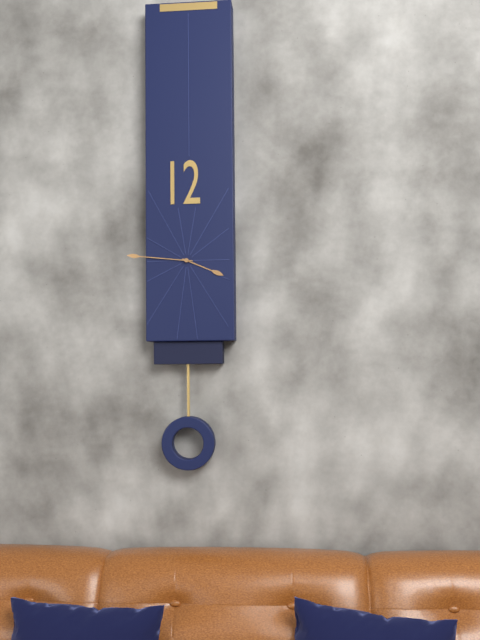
3:46
